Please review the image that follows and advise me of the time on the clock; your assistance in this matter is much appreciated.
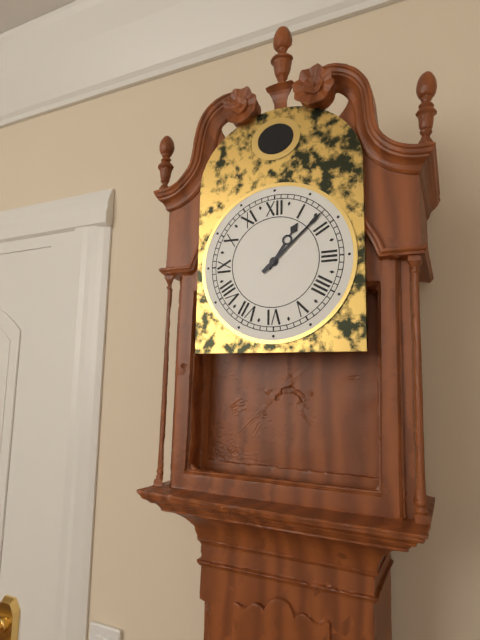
1:08
